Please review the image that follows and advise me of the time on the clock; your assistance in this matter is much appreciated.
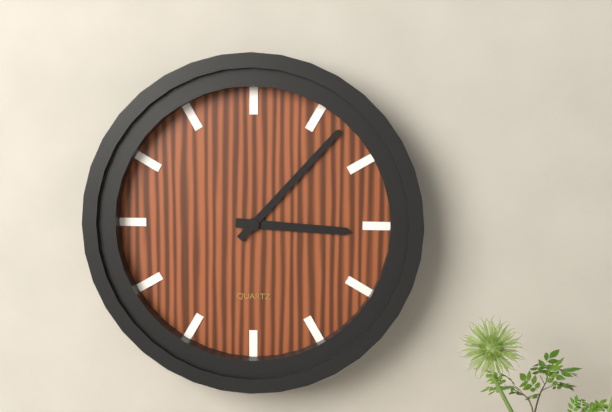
3:07
